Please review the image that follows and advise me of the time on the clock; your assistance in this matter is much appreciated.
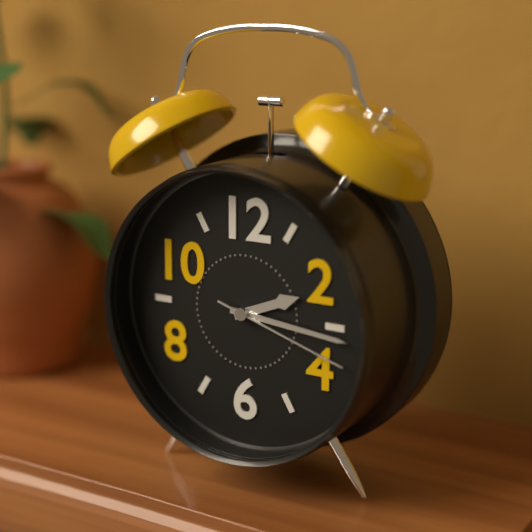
2:16:18
